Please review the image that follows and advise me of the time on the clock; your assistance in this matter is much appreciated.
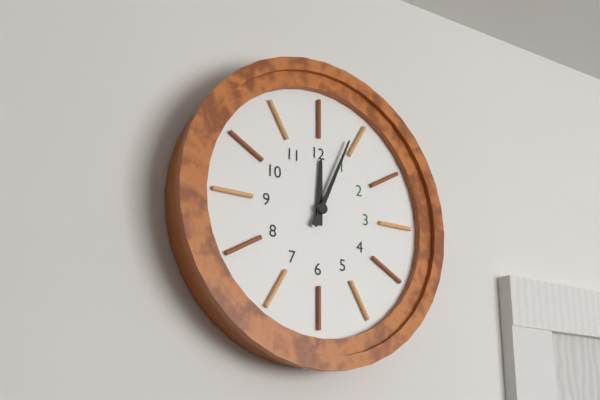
12:04
